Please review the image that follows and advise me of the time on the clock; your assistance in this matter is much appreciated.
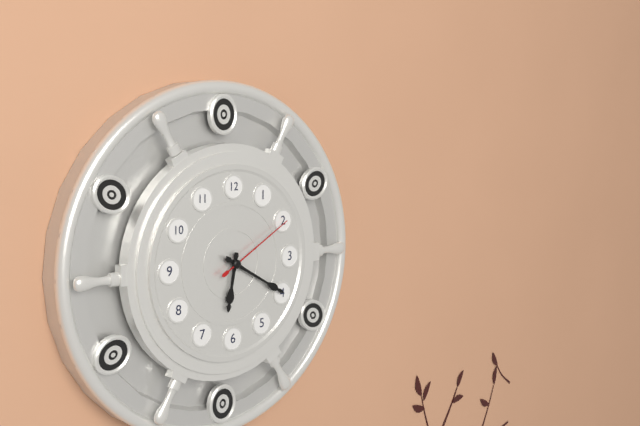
6:20:10
